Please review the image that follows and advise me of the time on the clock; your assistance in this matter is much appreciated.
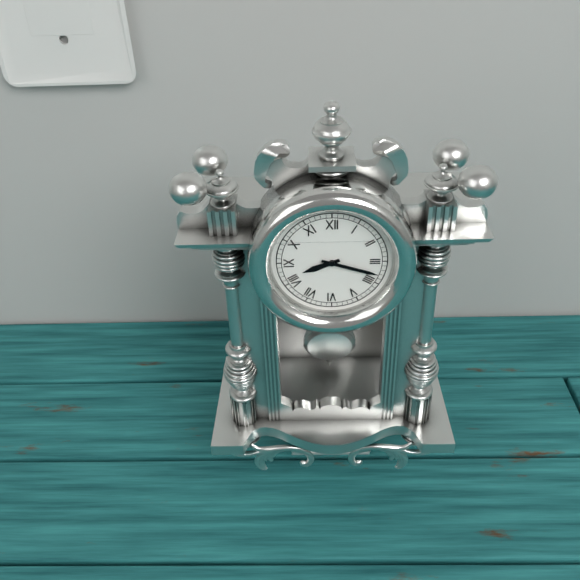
8:18
